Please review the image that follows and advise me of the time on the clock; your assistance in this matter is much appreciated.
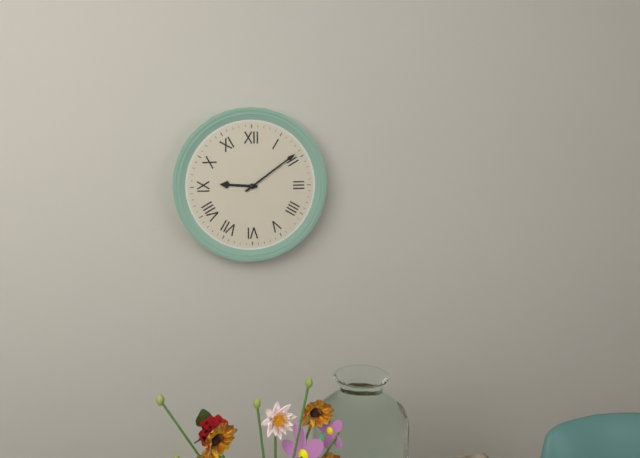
9:09
